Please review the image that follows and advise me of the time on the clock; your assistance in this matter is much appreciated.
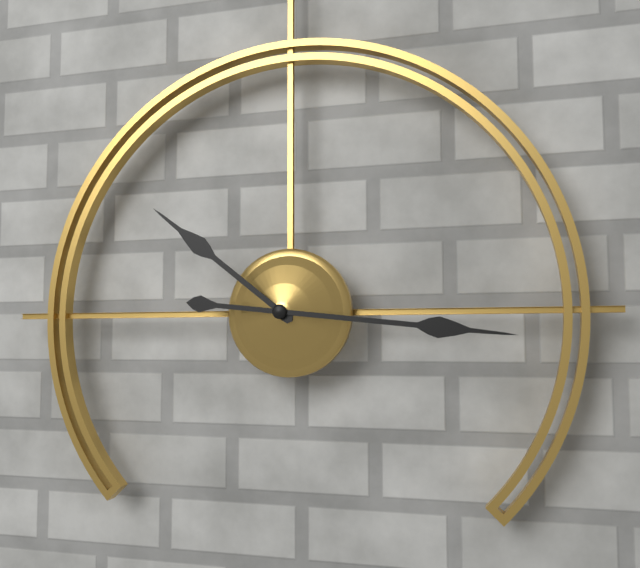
10:16
